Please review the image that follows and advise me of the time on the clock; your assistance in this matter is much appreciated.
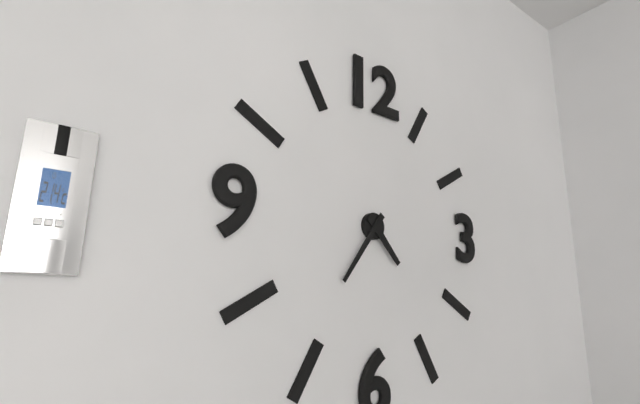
4:36
